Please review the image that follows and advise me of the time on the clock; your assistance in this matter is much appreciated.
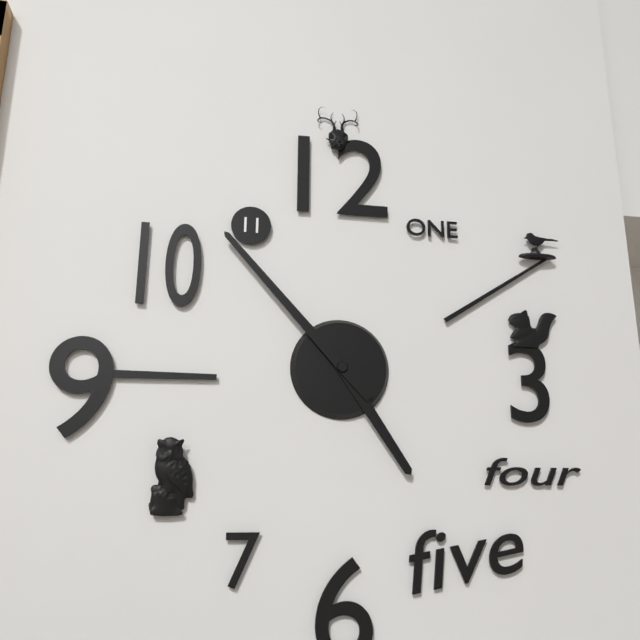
4:53
